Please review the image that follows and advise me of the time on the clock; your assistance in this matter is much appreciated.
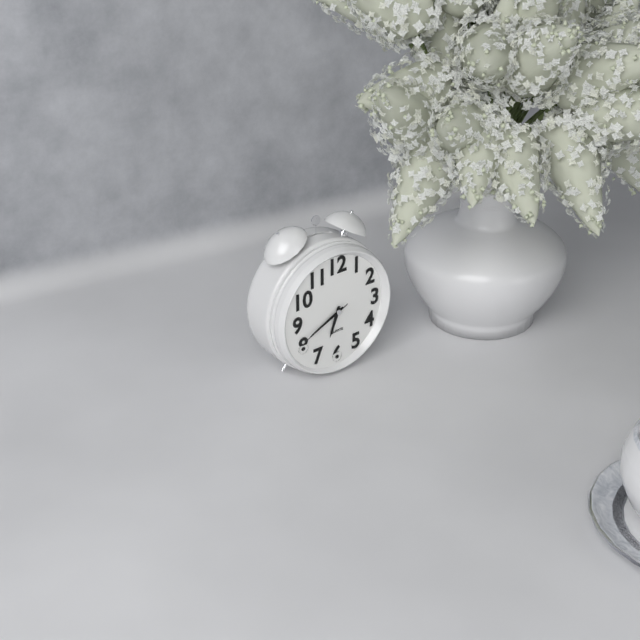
6:41:41
